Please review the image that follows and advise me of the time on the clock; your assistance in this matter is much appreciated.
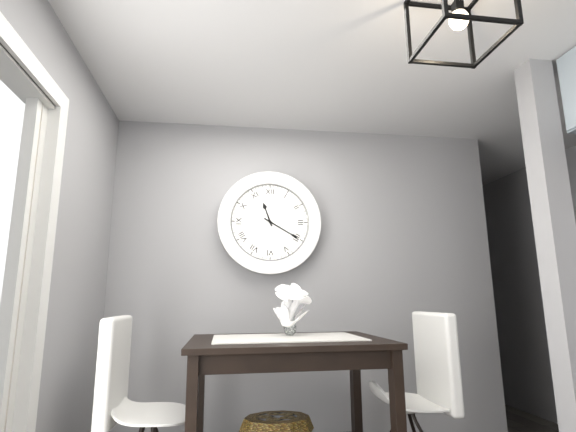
11:20
